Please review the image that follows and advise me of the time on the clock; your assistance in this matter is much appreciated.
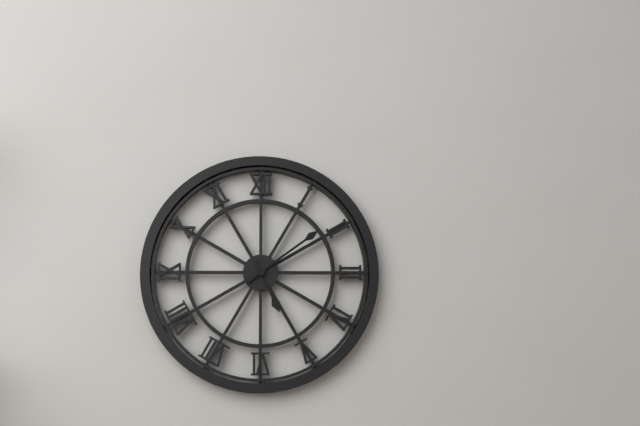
5:09
